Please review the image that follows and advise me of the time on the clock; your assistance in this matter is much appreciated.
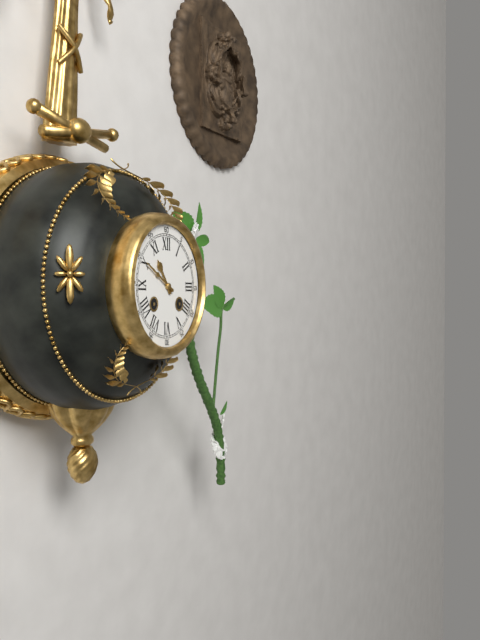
10:50
